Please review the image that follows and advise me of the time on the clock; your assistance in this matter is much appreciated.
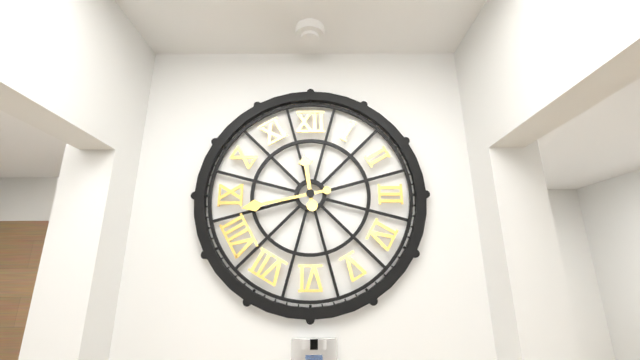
11:43
